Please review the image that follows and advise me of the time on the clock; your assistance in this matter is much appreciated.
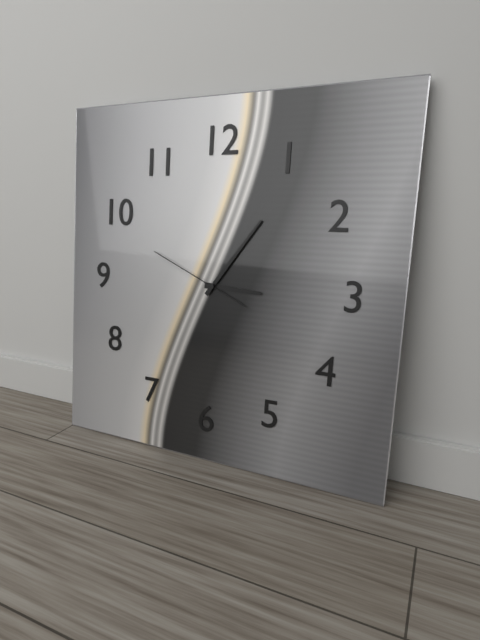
3:06:49
